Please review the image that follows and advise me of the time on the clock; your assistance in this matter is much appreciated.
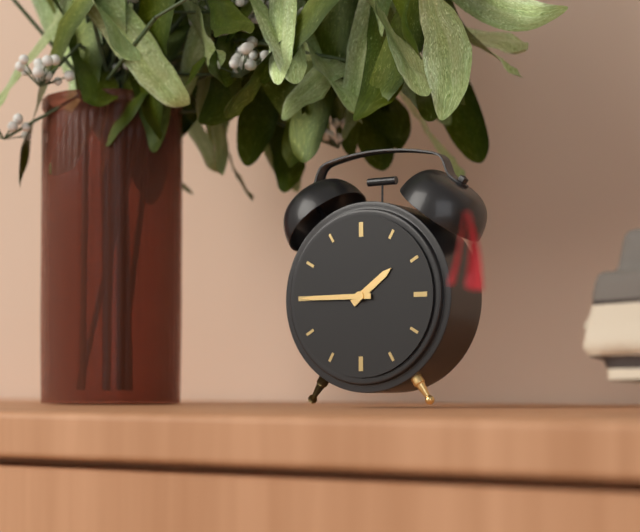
1:45
